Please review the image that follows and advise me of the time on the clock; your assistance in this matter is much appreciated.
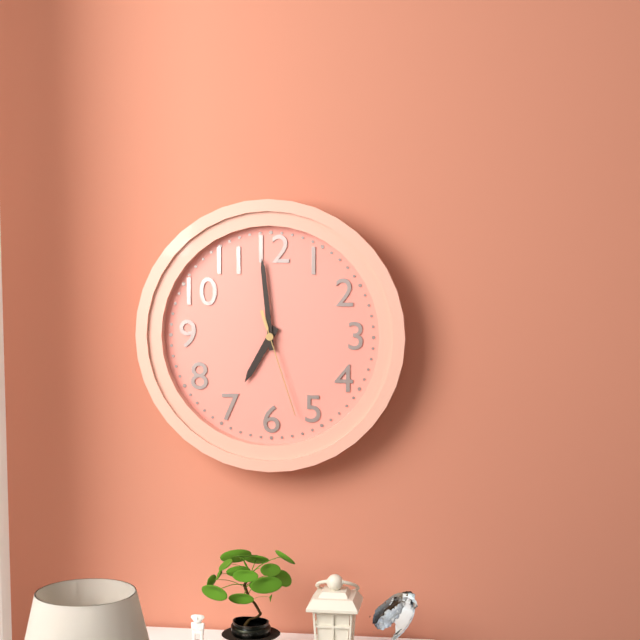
6:59:27
